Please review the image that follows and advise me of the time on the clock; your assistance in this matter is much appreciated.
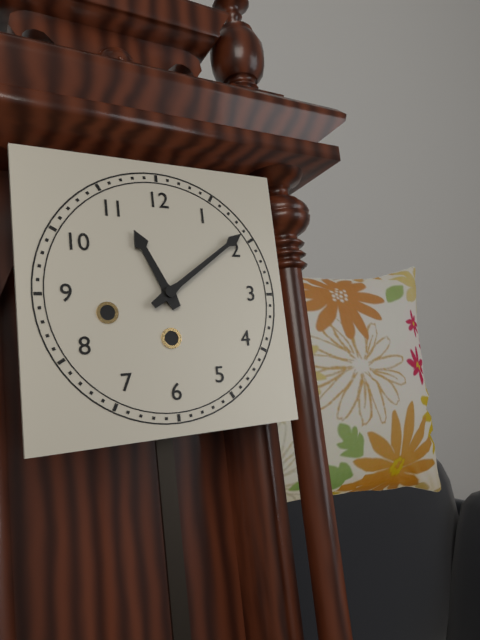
11:09
